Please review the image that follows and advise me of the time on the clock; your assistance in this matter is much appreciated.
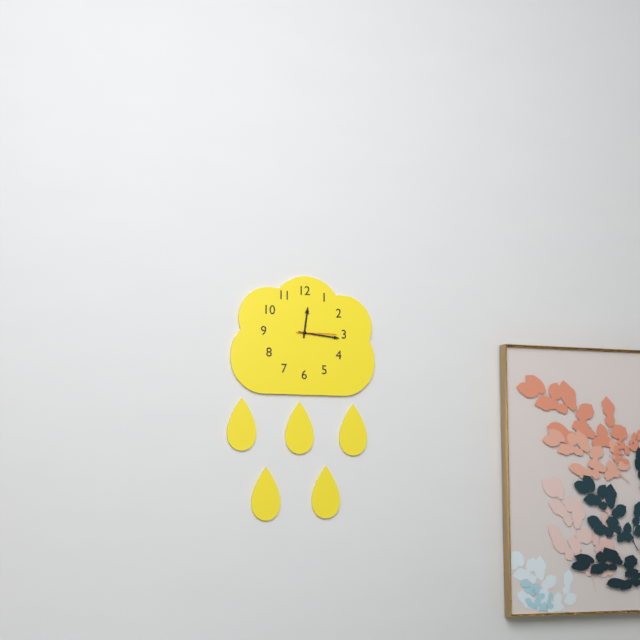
12:16
